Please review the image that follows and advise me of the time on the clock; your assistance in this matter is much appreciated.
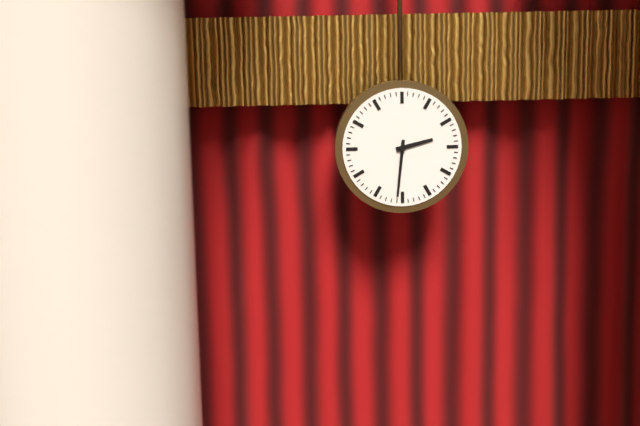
2:31
